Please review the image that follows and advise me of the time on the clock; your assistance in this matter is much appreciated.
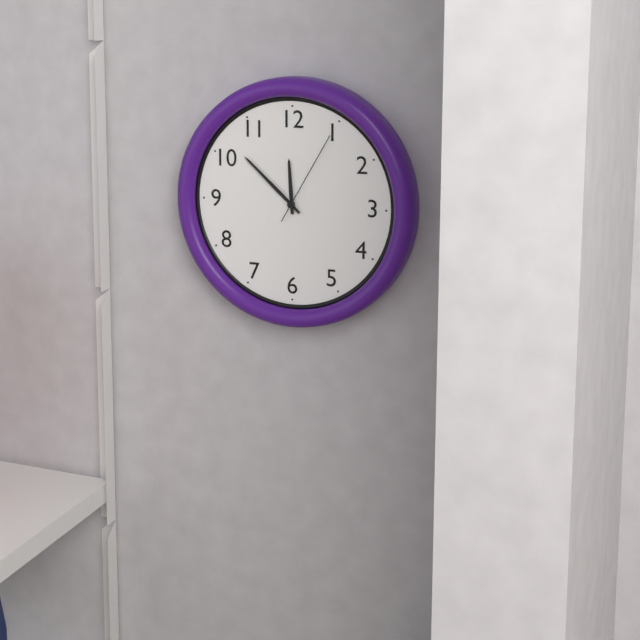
11:52:05
